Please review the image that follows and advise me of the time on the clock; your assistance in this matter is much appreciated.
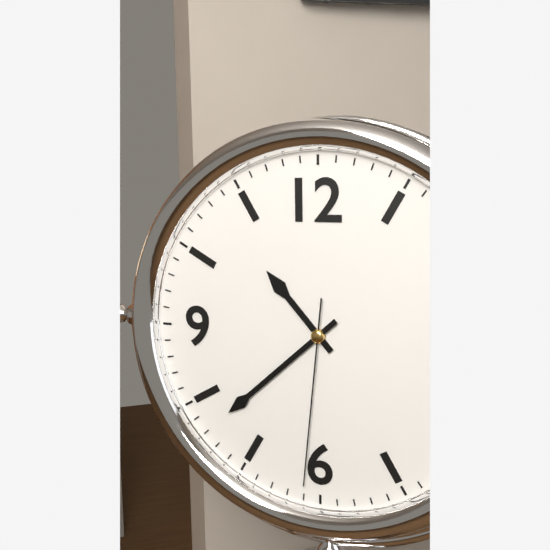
10:38:31
